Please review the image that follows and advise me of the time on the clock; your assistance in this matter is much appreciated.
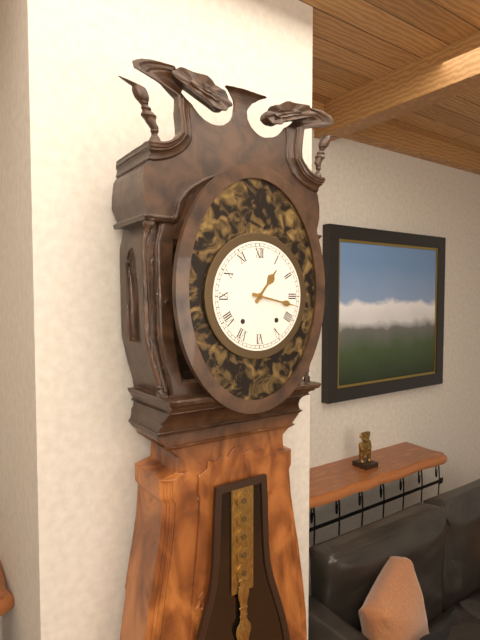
1:17
